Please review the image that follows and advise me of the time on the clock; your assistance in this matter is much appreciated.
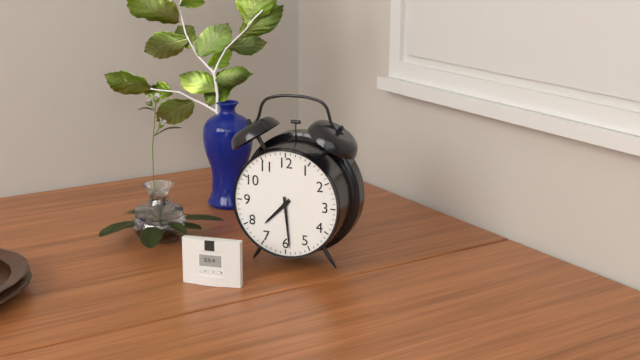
7:29
